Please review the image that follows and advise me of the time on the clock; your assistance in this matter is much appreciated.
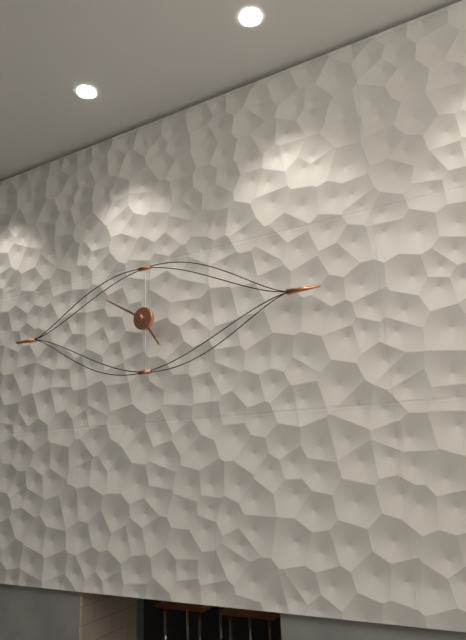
4:50
